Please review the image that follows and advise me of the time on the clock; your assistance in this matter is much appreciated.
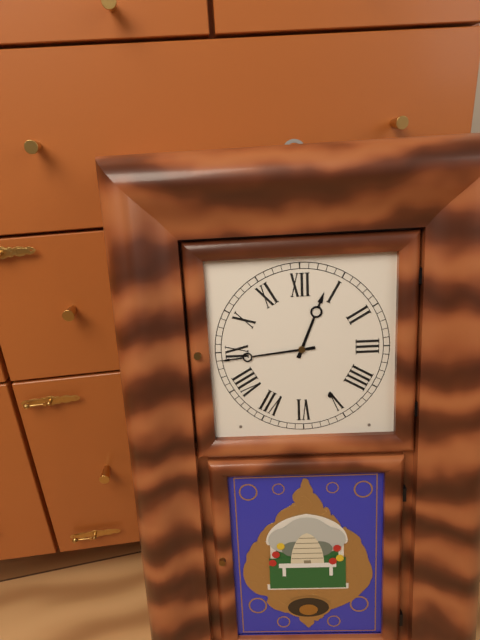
12:44
